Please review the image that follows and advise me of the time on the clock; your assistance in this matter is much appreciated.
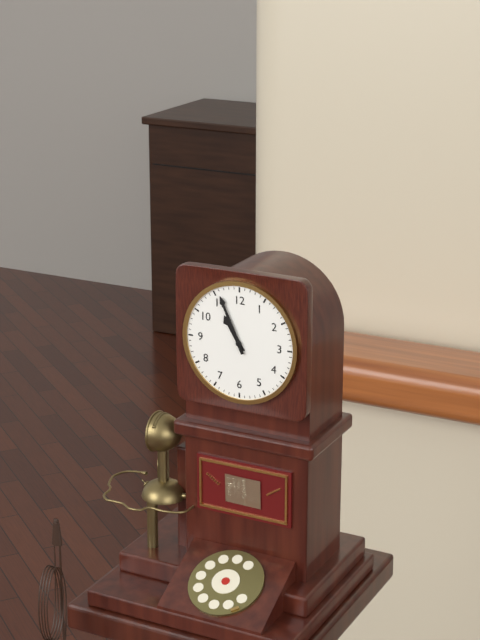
10:56
